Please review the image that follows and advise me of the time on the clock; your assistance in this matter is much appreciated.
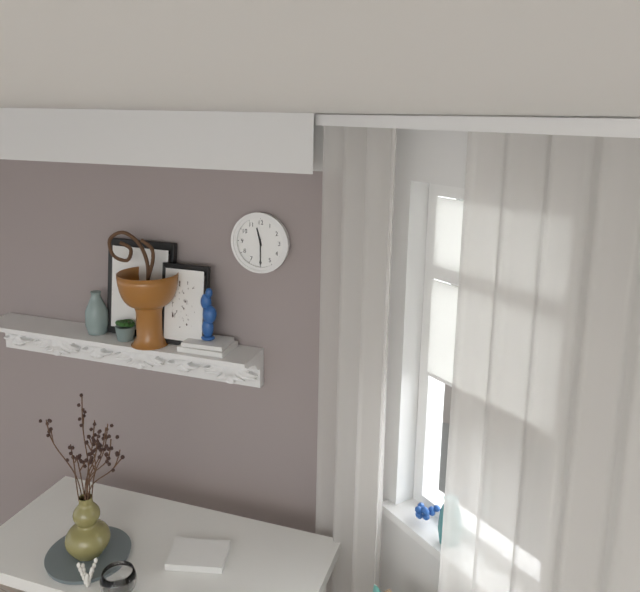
11:30
